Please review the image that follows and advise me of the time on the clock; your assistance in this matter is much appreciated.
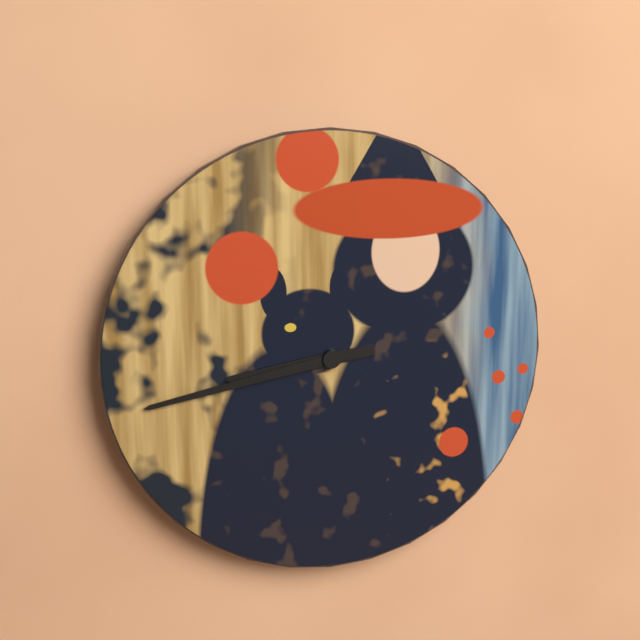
8:43
